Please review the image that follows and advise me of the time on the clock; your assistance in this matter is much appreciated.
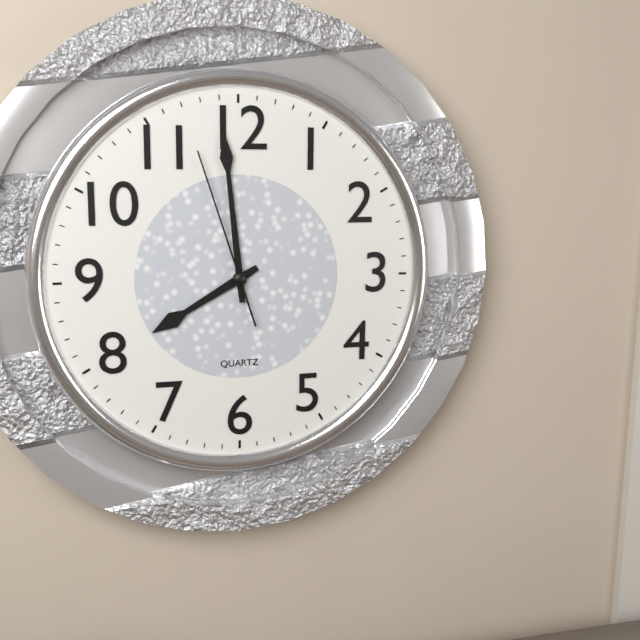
7:59:57
